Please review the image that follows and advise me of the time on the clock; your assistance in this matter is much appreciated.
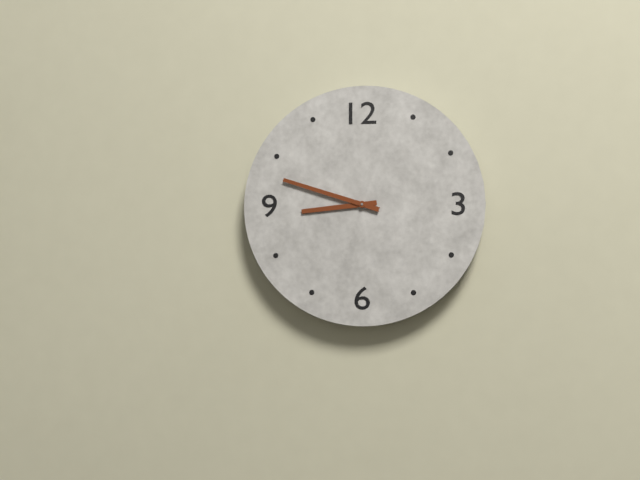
8:48
